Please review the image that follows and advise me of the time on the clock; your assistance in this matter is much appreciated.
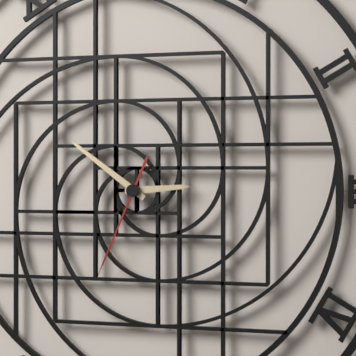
2:51:34
